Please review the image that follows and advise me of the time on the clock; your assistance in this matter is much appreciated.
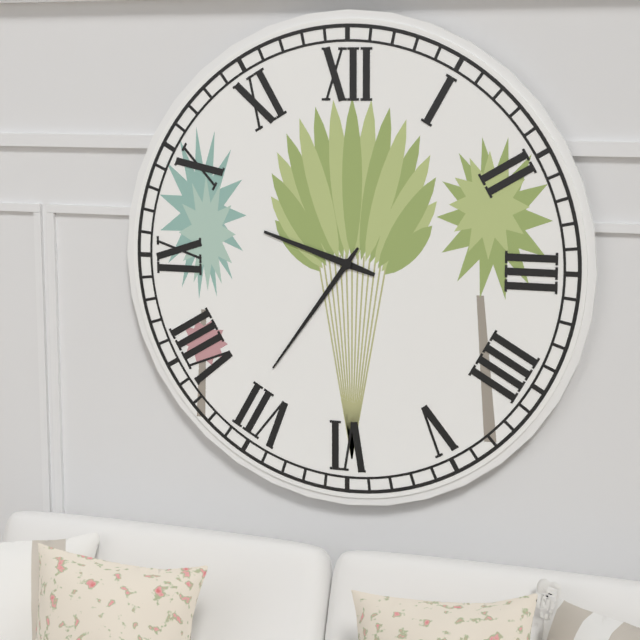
9:36
